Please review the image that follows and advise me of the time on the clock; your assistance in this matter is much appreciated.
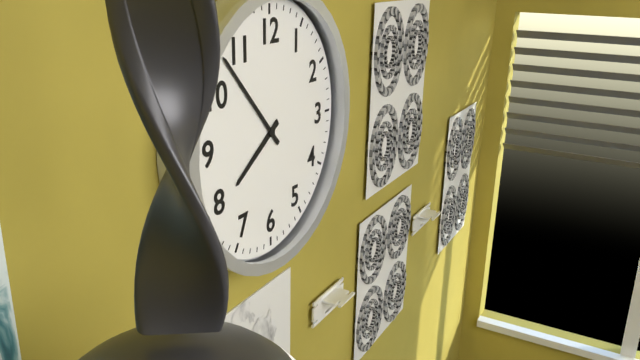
7:53
